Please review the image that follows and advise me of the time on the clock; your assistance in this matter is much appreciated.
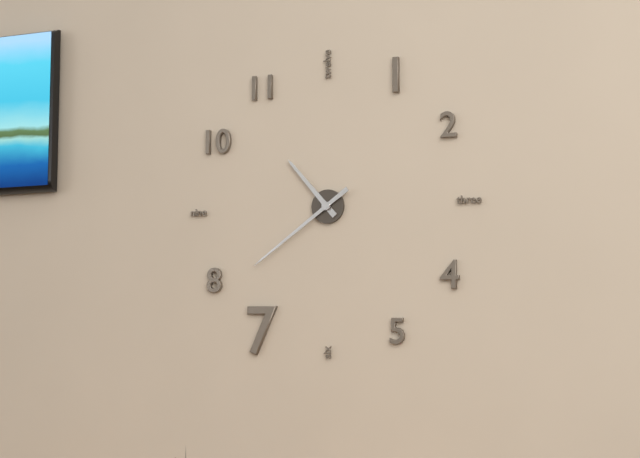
10:39
